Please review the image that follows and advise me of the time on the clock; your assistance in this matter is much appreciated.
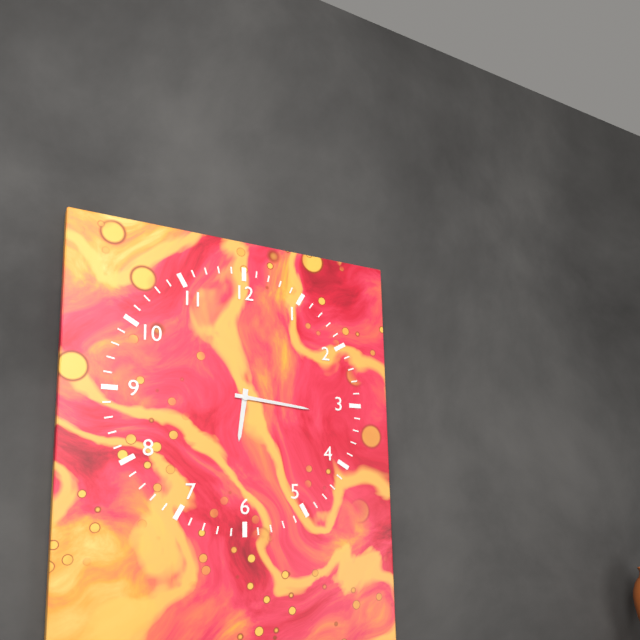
6:16
